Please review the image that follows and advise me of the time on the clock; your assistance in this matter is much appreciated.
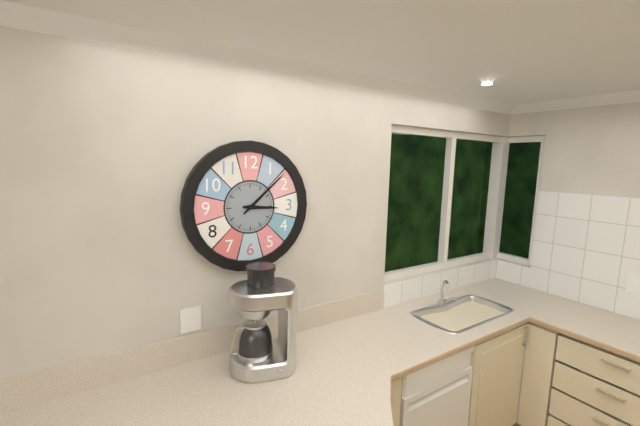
3:08
